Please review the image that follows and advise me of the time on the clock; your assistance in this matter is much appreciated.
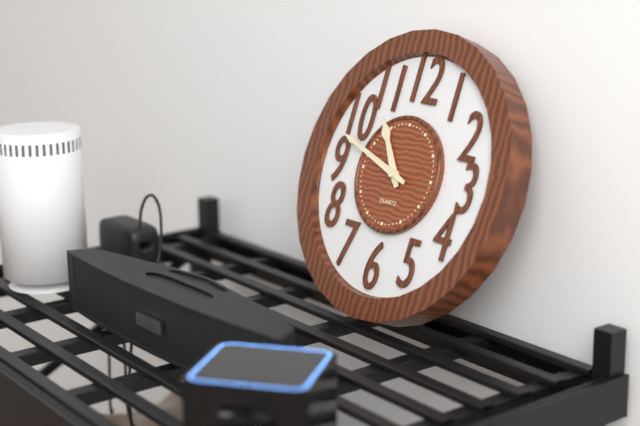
10:48
